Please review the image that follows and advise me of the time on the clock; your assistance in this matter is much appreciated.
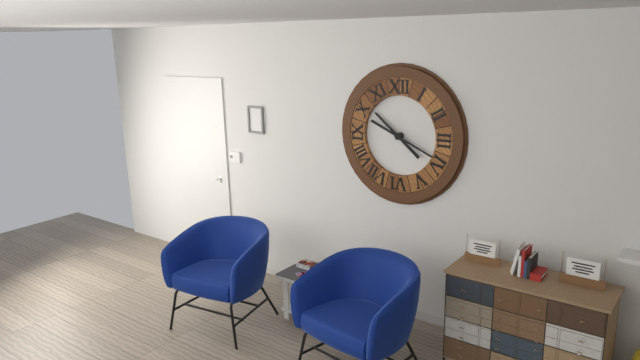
10:19
